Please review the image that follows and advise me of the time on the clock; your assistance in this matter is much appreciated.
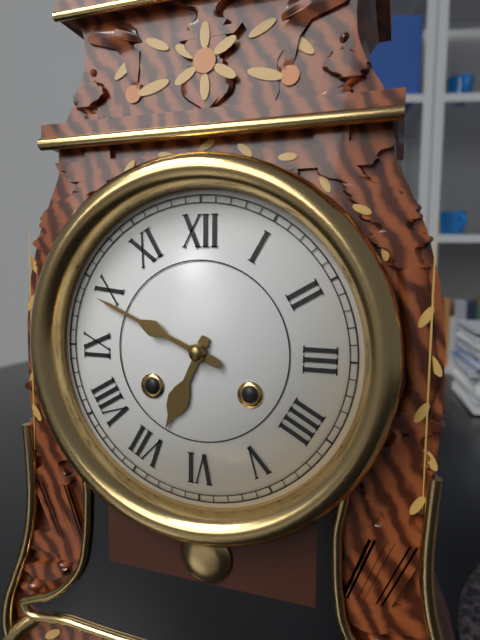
6:49
